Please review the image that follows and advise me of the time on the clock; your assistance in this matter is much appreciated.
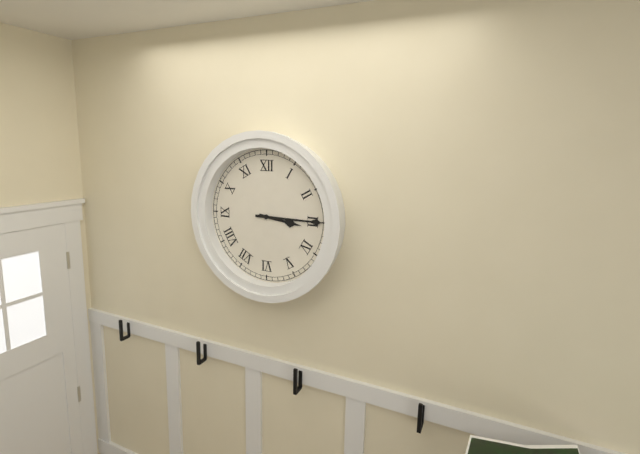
3:15
